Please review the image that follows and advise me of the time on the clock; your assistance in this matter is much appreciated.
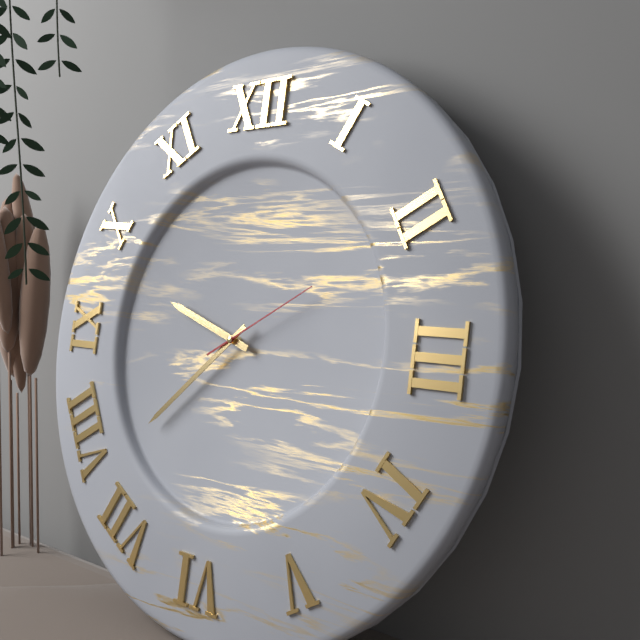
9:38:10
